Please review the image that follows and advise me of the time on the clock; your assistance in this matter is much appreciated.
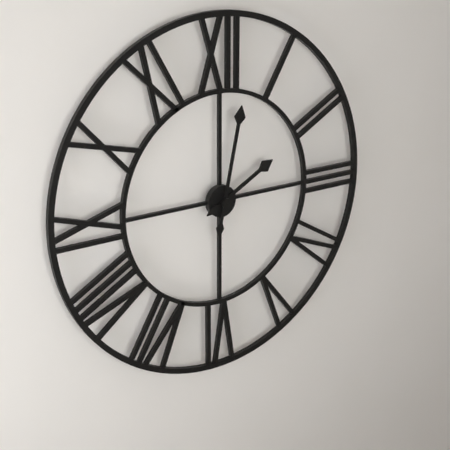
2:02
